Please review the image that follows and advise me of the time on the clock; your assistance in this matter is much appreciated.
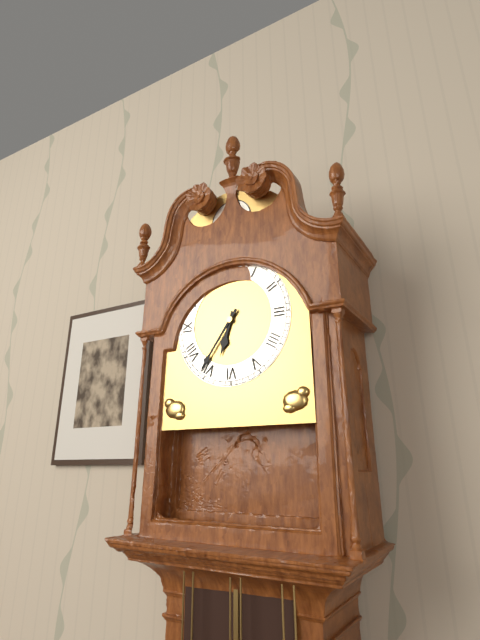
6:36
